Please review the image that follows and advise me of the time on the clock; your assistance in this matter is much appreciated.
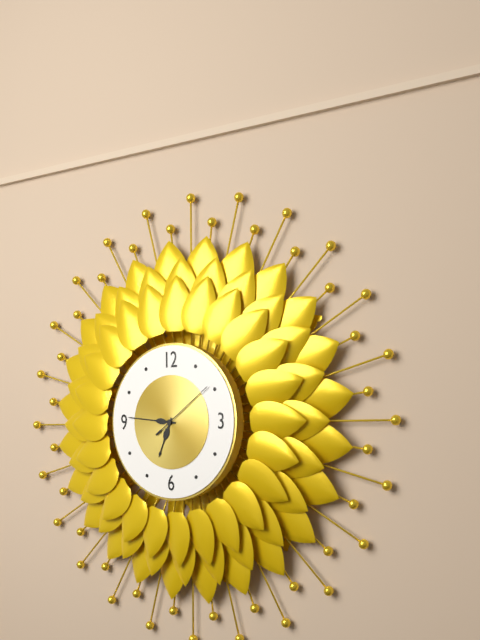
6:46:09
